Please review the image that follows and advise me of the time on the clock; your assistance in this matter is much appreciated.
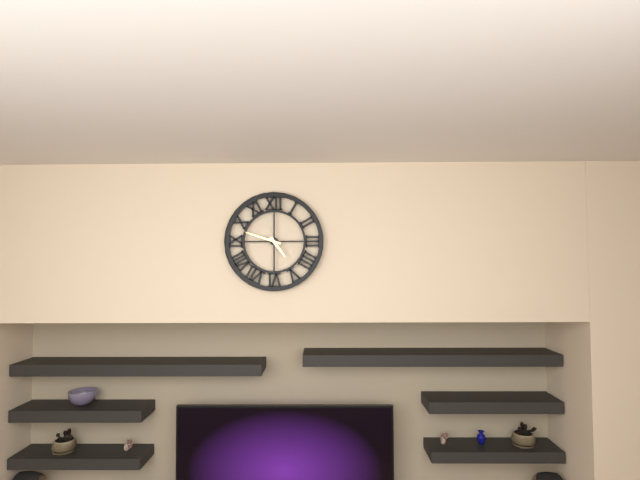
4:48
